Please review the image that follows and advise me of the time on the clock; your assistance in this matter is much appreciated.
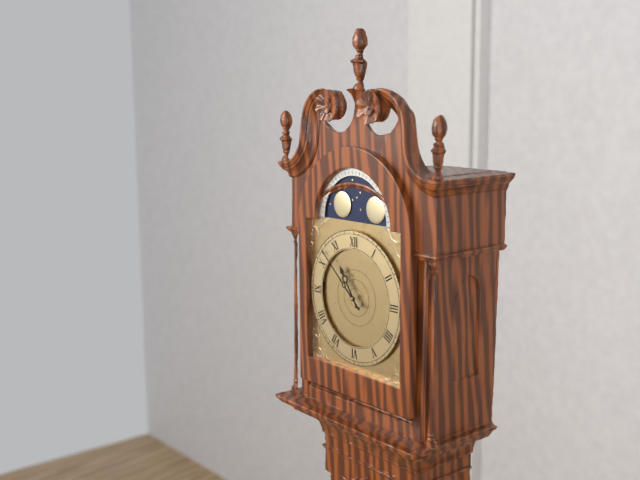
10:52
